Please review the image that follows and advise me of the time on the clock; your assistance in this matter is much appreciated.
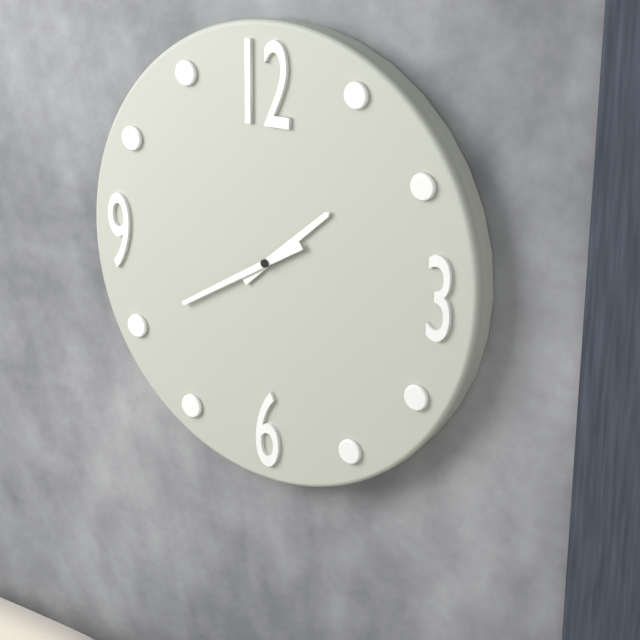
1:40
